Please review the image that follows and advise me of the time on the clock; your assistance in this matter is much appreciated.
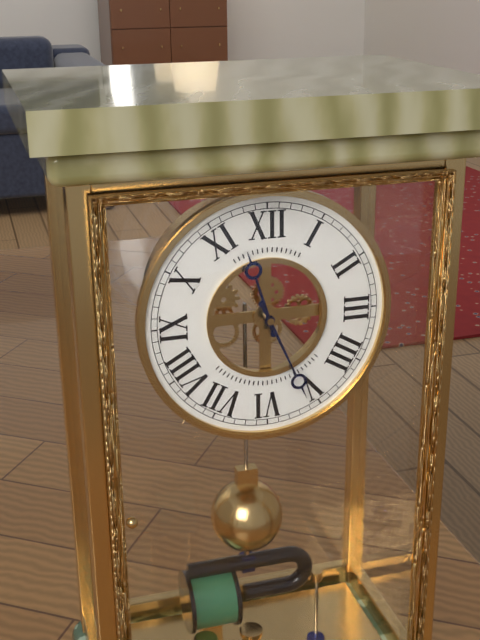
11:26
